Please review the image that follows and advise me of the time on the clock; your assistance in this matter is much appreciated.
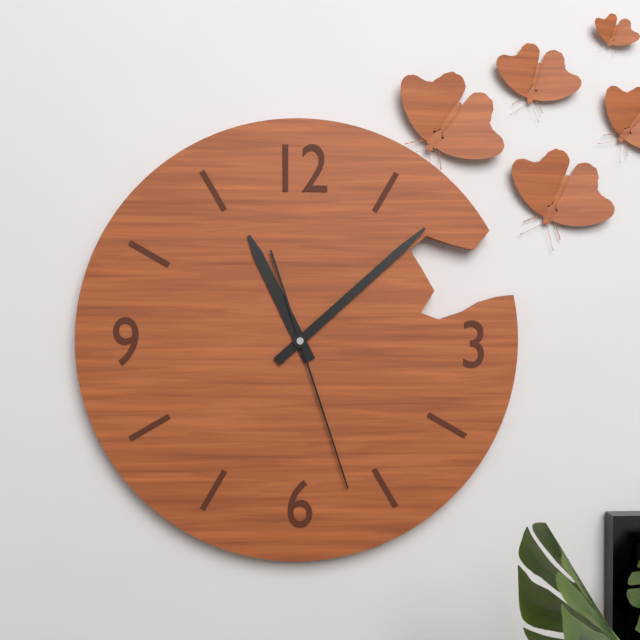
11:08:27
